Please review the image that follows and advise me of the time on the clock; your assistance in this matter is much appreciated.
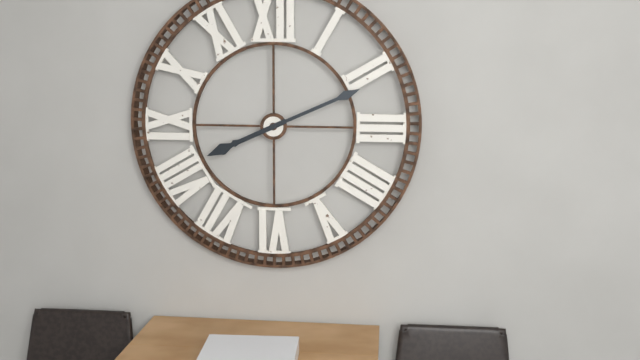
8:11
